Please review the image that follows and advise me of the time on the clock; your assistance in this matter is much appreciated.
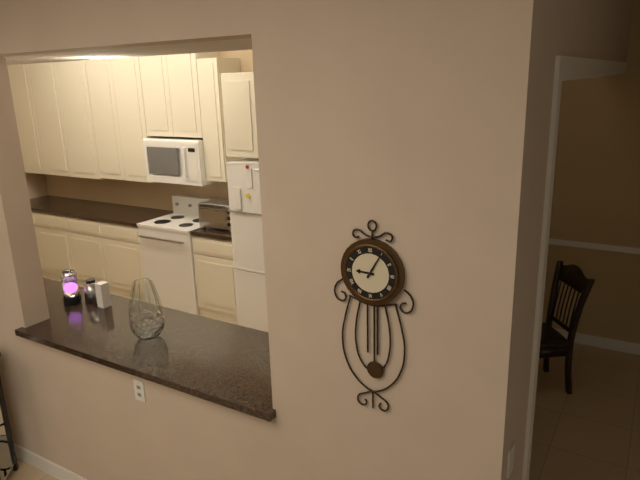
9:05
